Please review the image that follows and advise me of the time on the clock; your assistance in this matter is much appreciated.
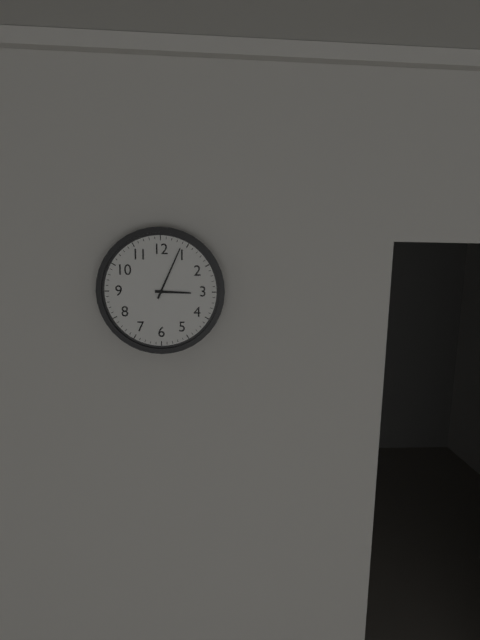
3:04
